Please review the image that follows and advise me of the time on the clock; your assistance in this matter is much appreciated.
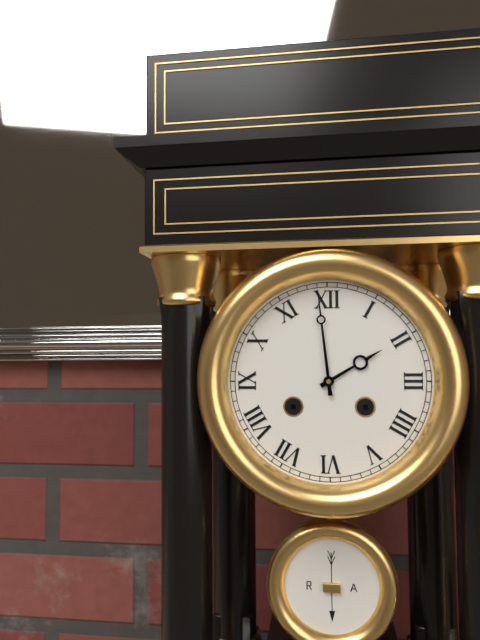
1:59
